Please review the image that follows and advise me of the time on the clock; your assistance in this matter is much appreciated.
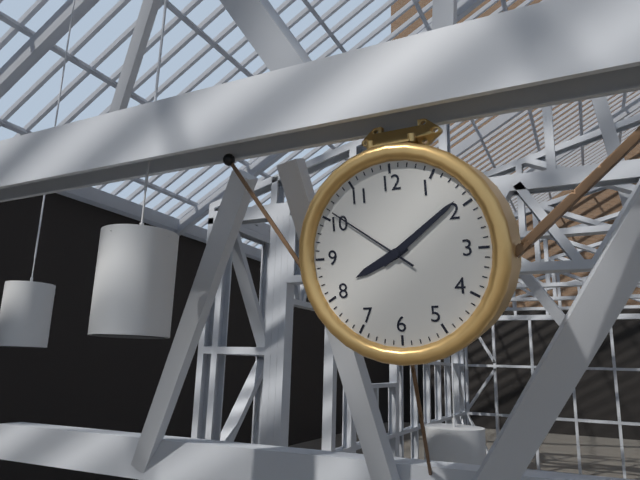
8:09:51
